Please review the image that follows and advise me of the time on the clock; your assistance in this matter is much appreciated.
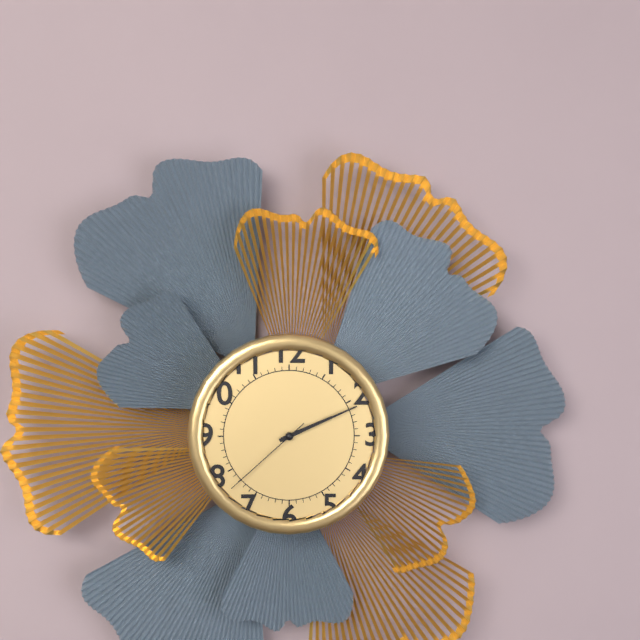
2:11:38
